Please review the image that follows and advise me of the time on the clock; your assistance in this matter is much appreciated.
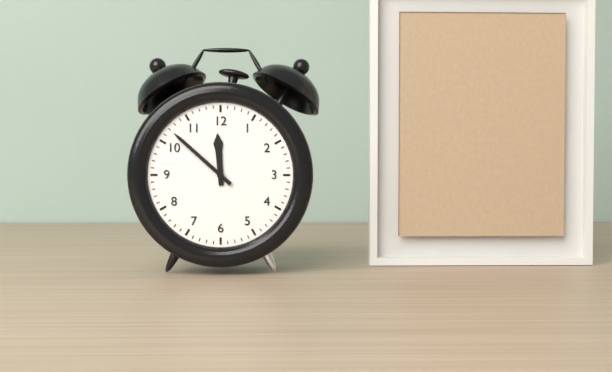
11:52
